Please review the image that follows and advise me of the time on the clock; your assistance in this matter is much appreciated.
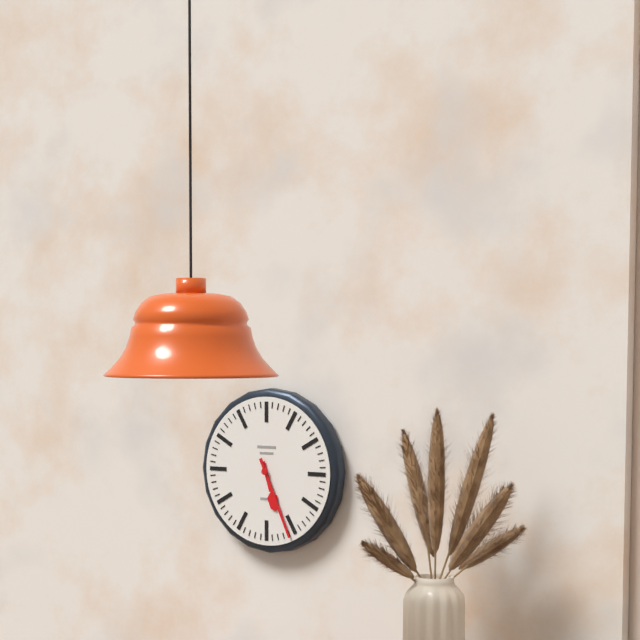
5:26
